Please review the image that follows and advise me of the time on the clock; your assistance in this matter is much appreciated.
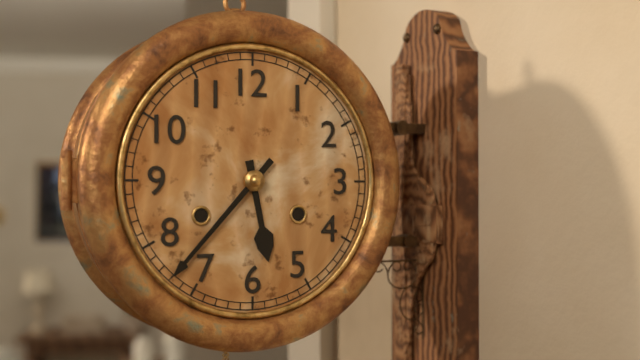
5:37
